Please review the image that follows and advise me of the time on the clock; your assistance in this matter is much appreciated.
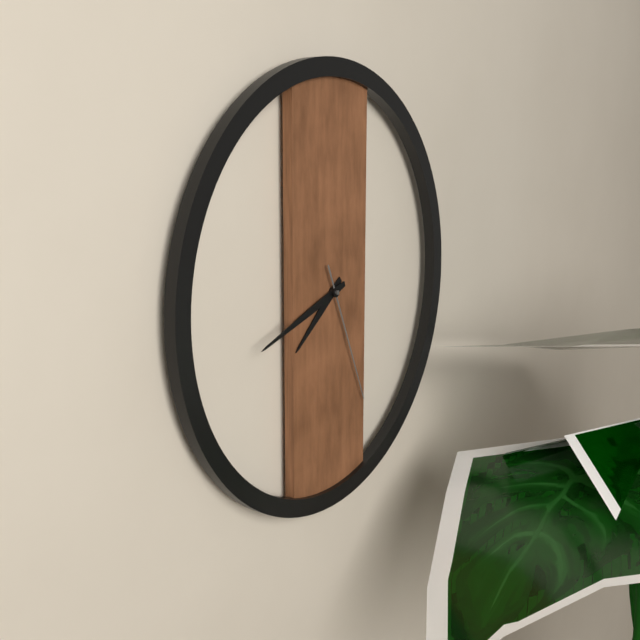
7:42:26
